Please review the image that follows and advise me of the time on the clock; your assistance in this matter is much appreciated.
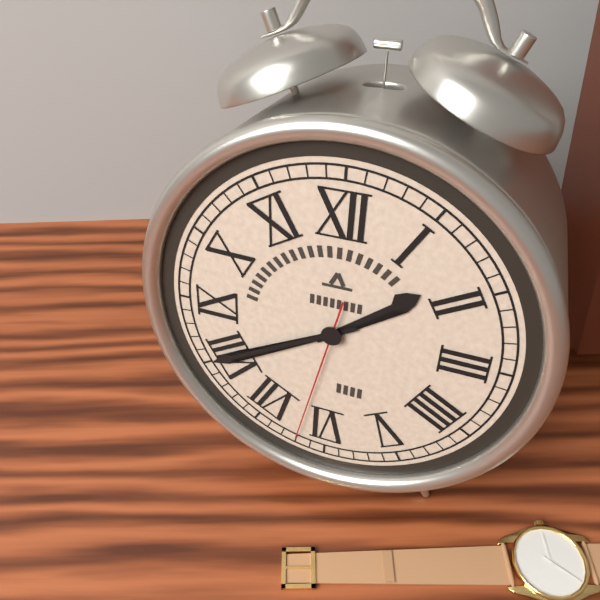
1:40:32
